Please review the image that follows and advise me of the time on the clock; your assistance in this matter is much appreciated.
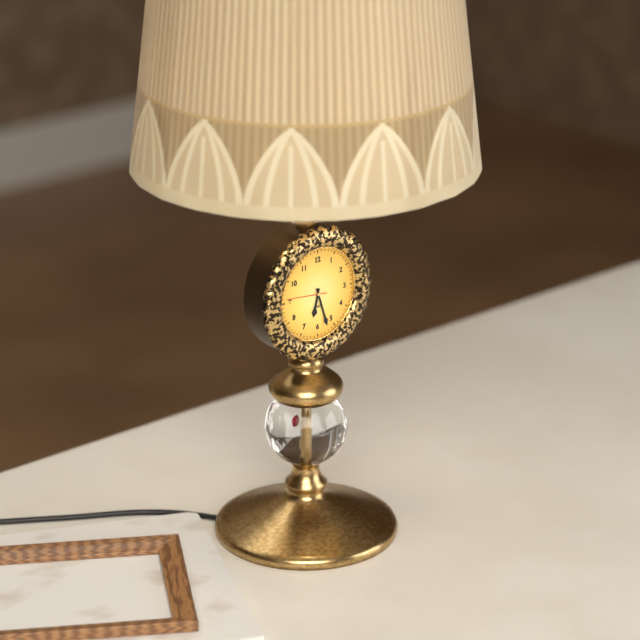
6:27
